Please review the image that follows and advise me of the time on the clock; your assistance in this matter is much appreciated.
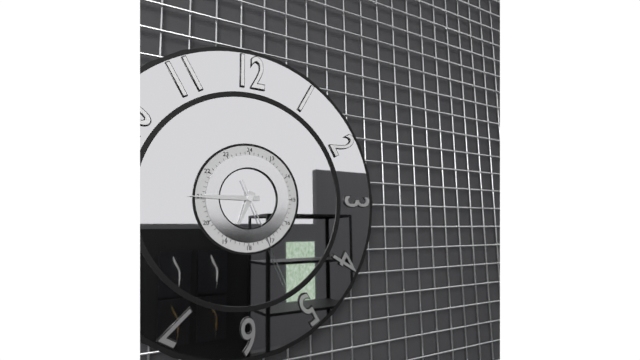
6:45:26
